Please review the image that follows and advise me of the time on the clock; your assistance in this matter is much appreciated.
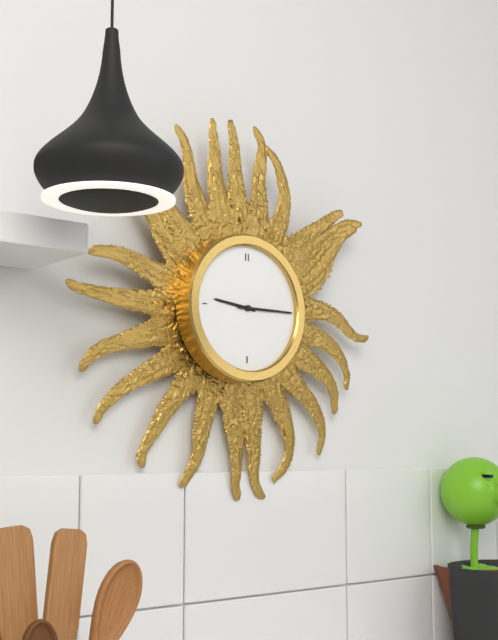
9:15
